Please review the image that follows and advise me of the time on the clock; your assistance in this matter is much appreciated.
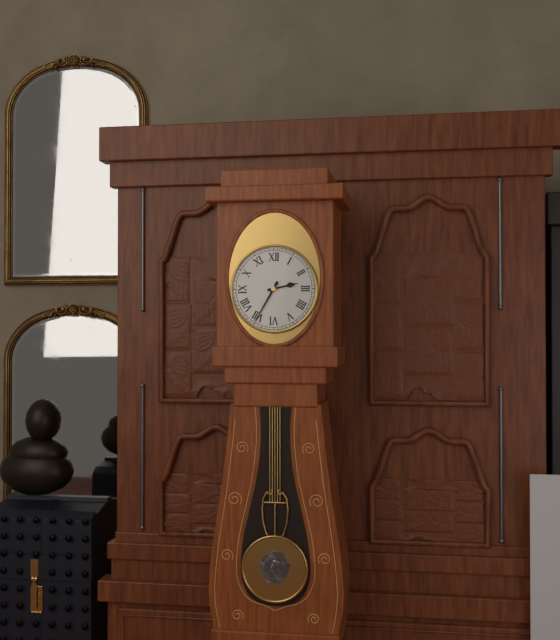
2:35
